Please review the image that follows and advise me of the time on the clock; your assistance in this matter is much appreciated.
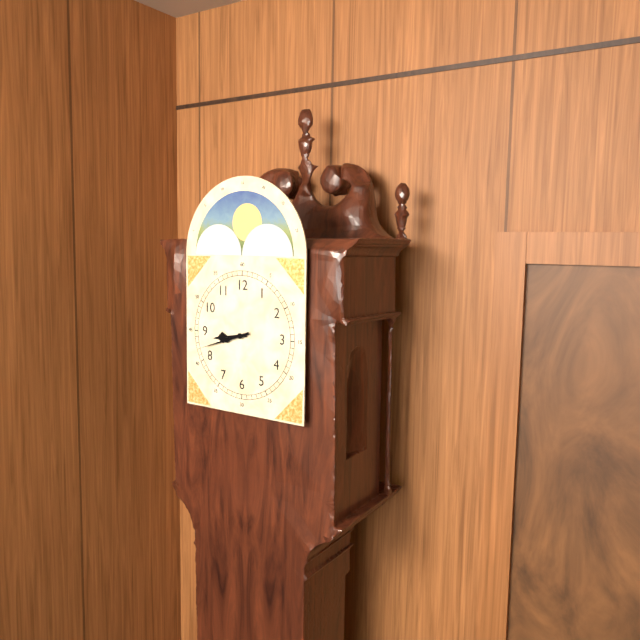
8:42
